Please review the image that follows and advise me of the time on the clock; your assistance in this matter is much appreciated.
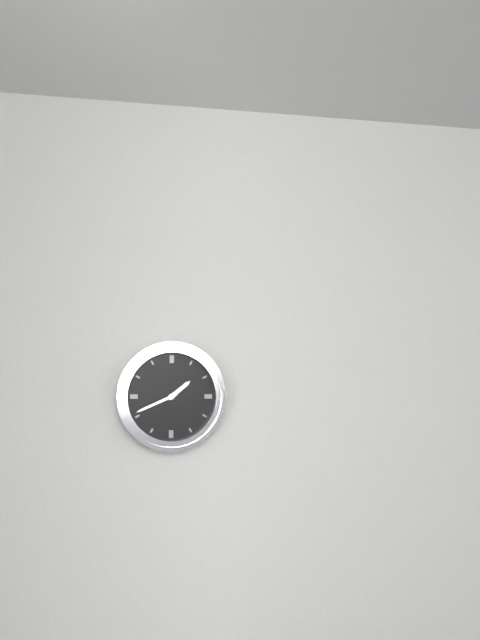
1:41
